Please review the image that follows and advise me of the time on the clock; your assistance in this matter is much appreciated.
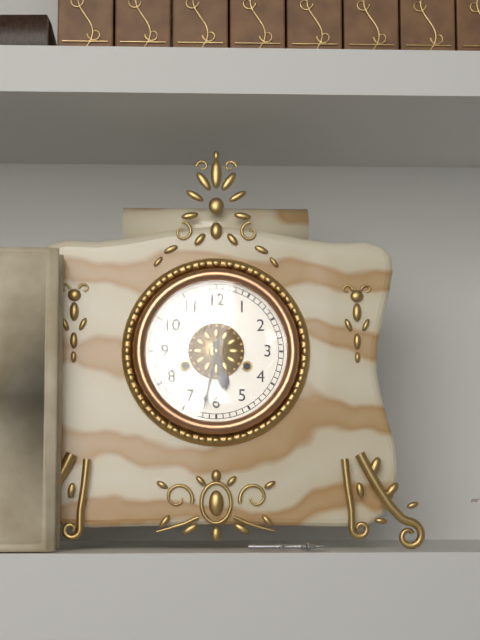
5:32
